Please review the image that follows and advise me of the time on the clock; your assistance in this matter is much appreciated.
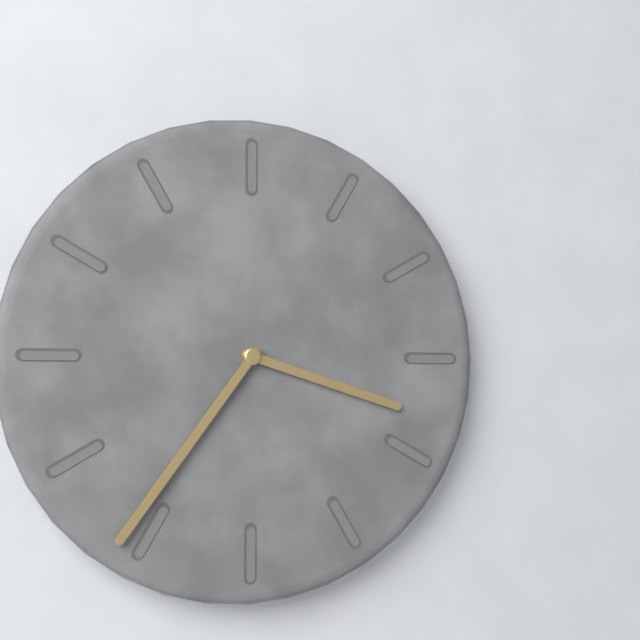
3:36
